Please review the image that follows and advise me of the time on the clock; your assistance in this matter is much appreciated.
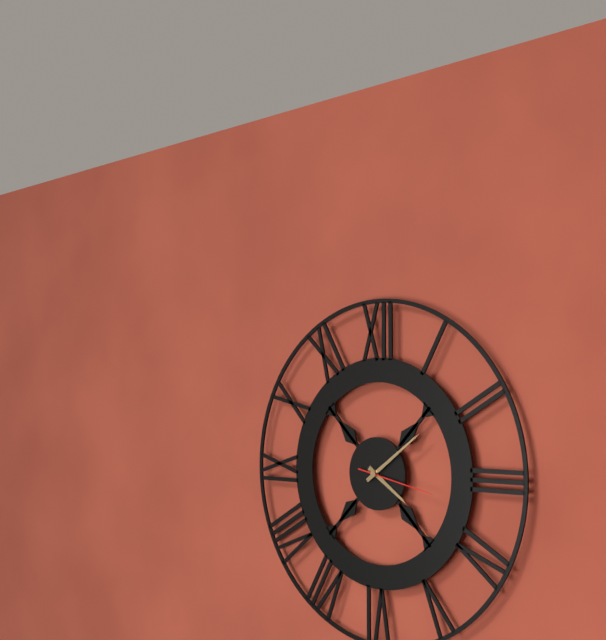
4:09:17
